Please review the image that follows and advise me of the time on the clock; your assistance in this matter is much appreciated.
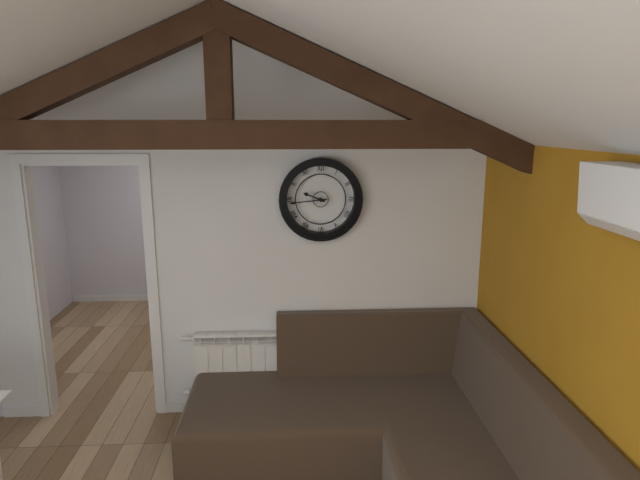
9:44
